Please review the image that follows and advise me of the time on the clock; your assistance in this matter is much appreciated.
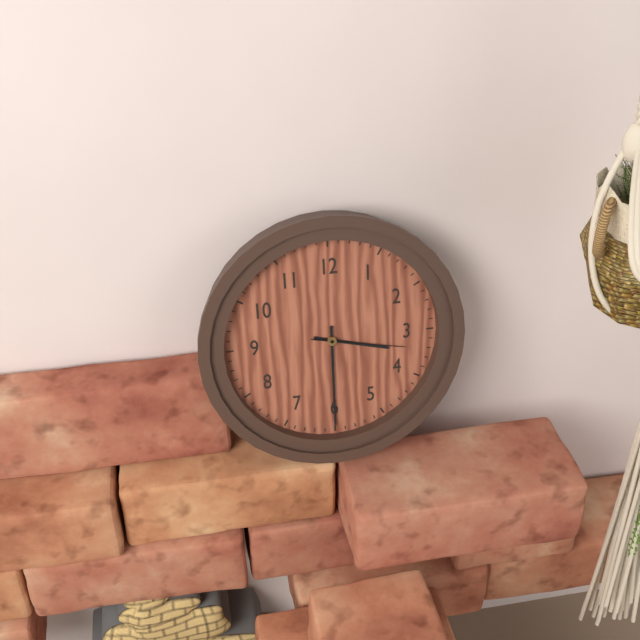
3:30:17
